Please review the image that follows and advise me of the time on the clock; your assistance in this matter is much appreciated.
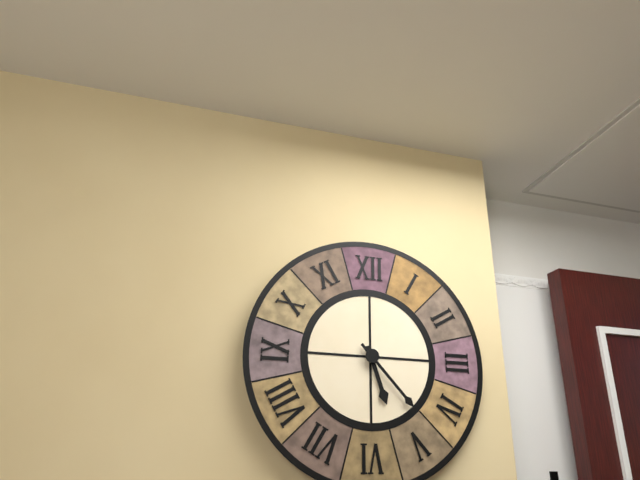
5:23
